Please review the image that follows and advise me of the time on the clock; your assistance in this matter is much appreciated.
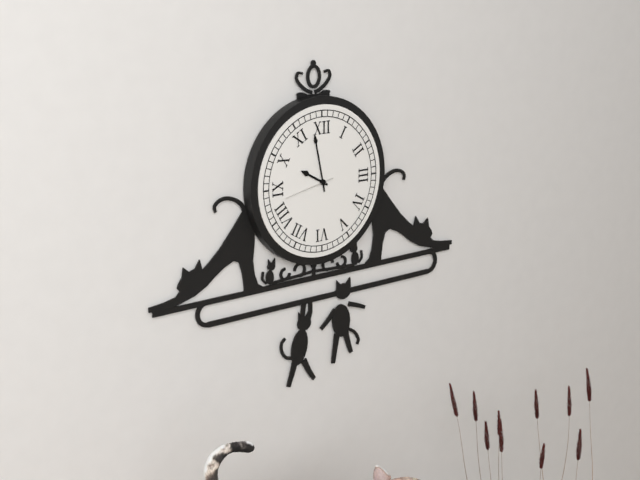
9:58:43
